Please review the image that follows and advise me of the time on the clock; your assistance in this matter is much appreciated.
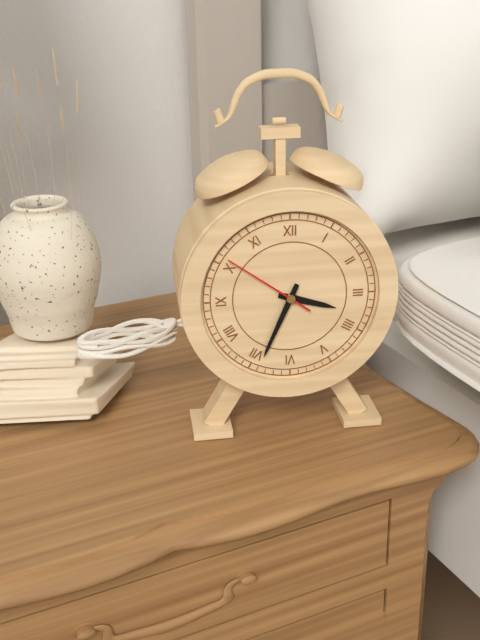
3:34:51
